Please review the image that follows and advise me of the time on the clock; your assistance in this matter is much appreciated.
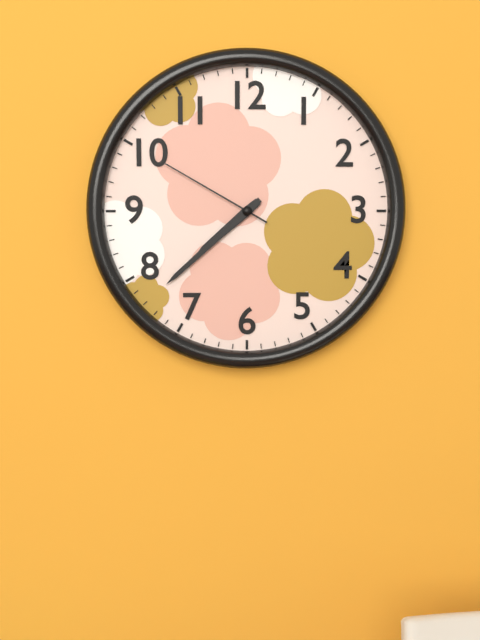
7:38:50
